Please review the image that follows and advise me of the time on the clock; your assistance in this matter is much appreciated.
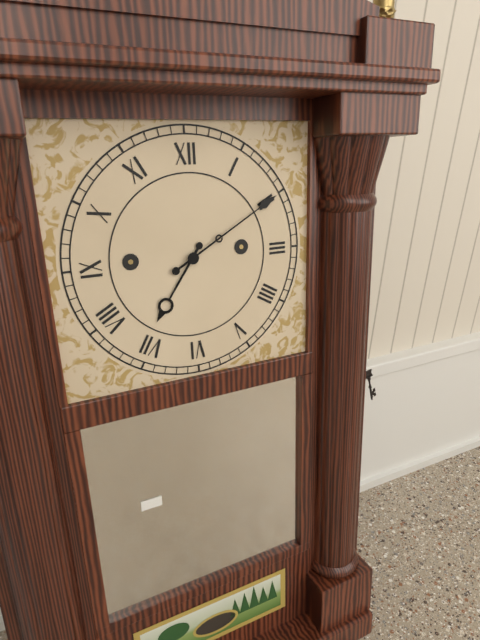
7:10
